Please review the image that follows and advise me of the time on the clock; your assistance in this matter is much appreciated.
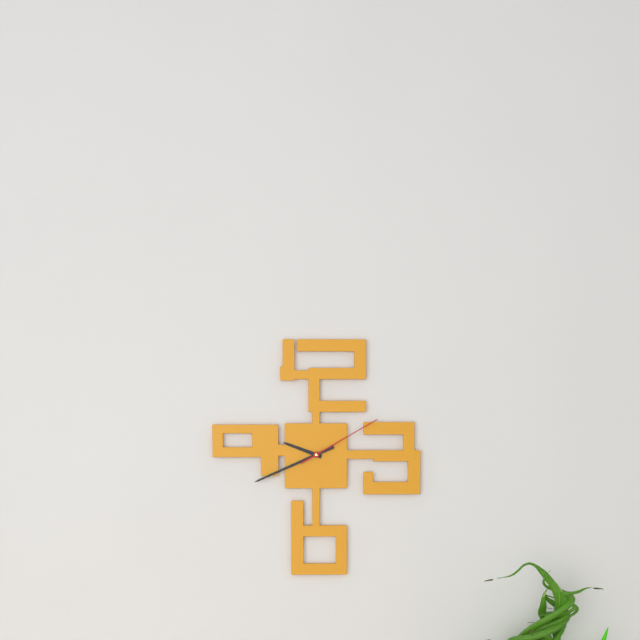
9:41:10
